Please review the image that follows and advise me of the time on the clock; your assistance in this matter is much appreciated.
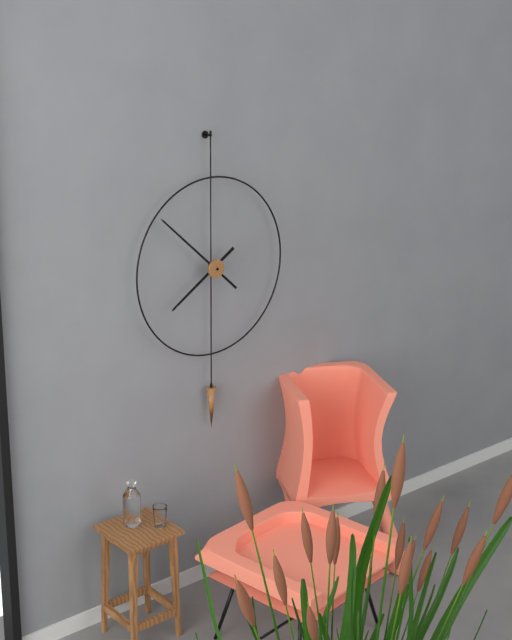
7:52
